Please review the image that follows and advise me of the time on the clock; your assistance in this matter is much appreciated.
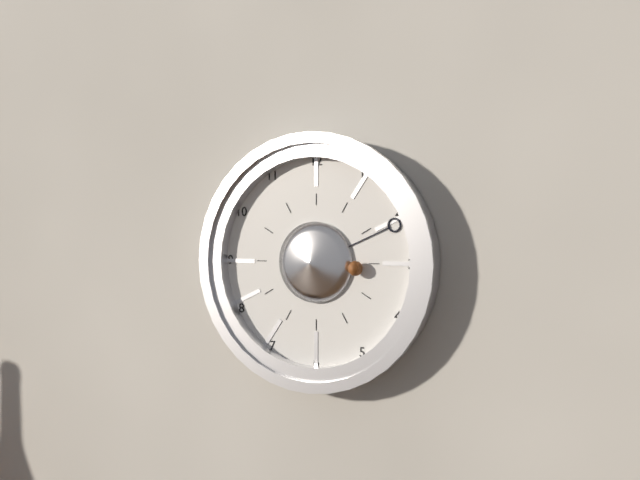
3:11
